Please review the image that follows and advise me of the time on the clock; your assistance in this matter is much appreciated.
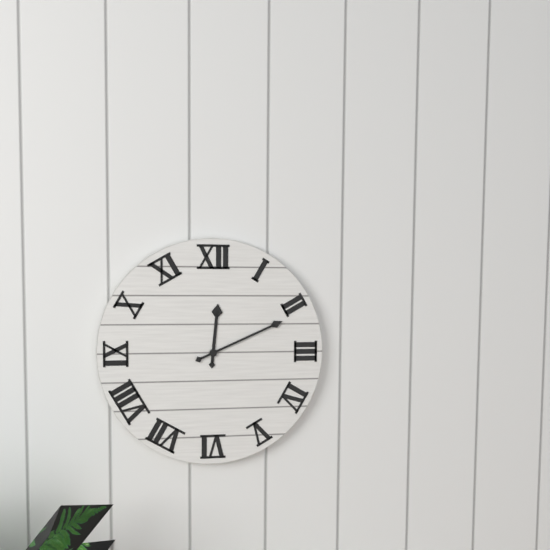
12:11
